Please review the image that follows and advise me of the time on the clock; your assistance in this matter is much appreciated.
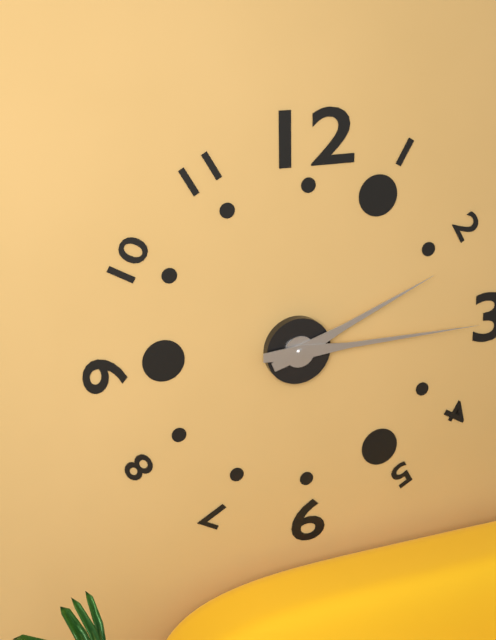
2:15
